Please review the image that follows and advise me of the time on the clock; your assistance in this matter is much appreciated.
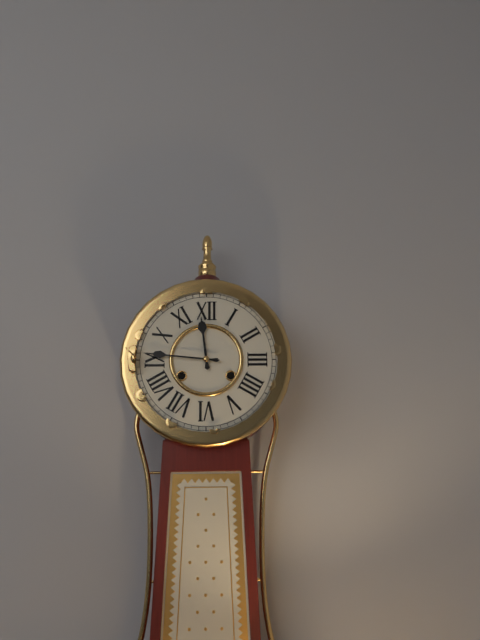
11:46
